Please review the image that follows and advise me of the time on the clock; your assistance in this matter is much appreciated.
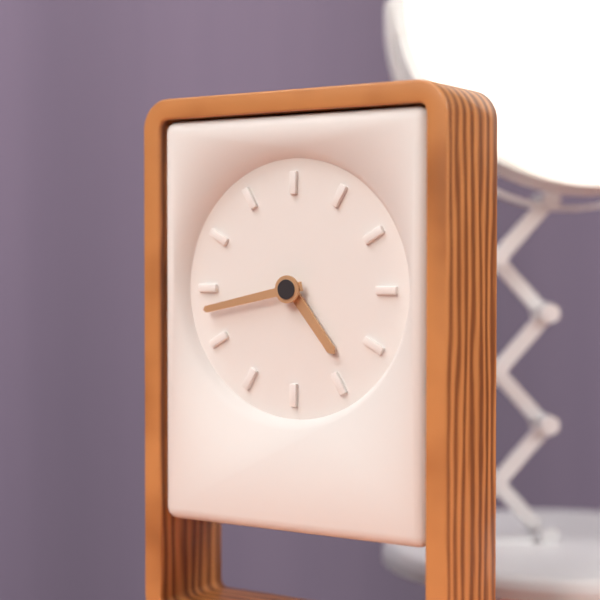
4:43
